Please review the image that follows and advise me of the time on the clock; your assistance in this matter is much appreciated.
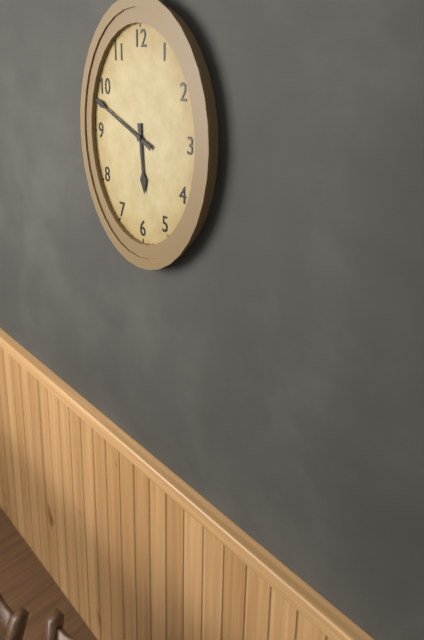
5:49
